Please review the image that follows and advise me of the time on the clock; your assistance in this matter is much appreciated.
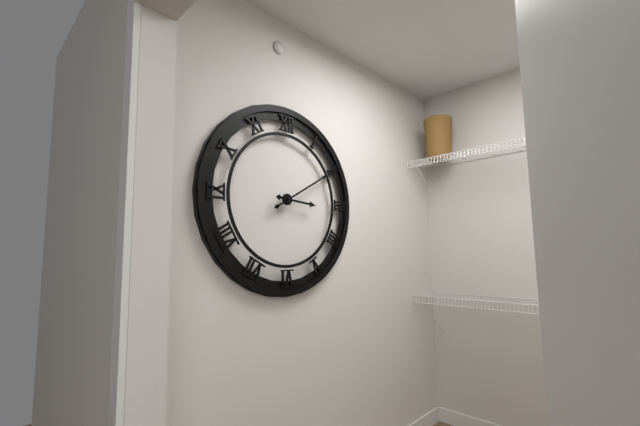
3:10
